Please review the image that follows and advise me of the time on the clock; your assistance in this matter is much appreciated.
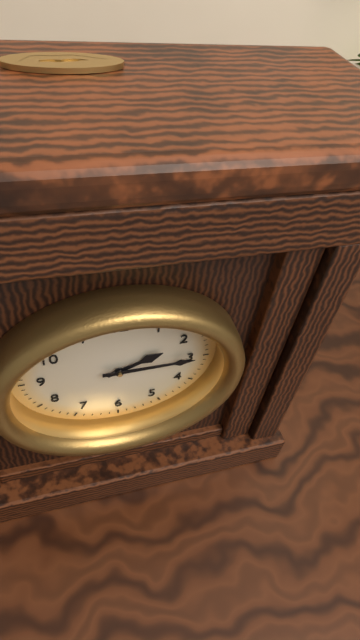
2:15
